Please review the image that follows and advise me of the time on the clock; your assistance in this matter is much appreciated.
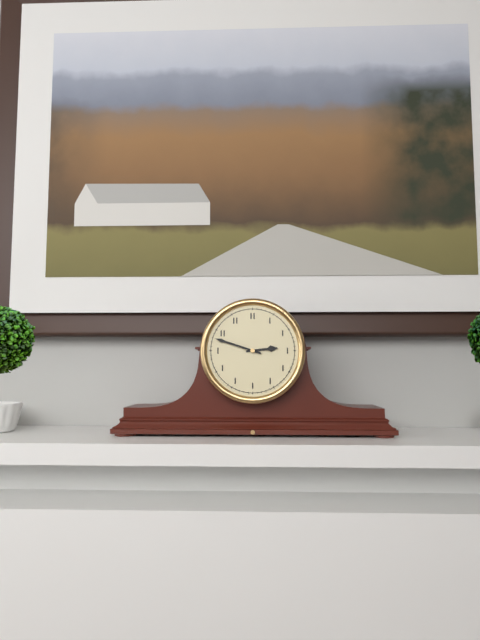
2:48
